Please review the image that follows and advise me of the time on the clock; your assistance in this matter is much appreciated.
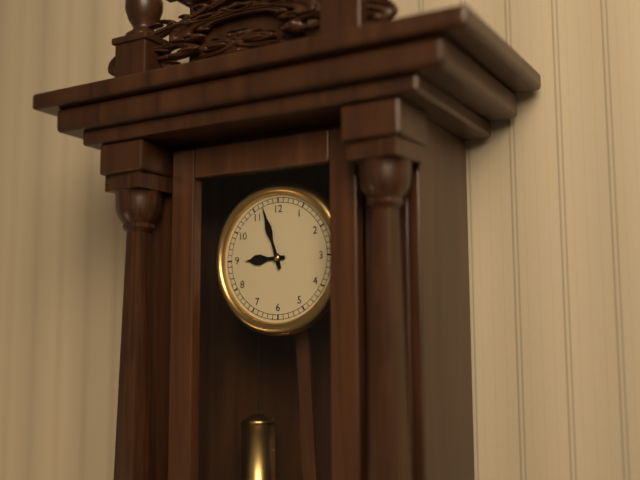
8:57
